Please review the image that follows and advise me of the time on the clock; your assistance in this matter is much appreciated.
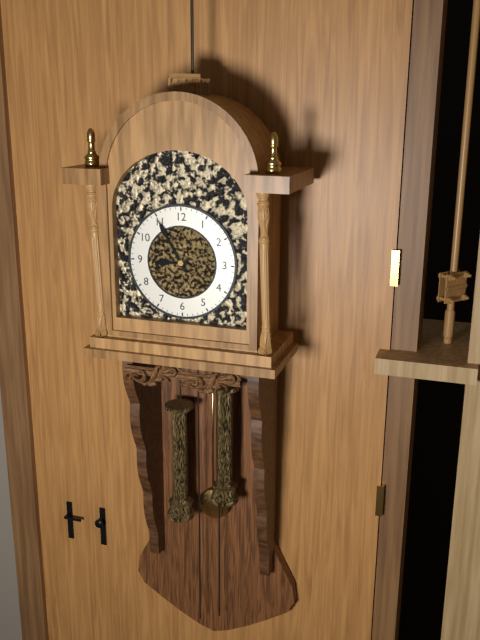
8:55
